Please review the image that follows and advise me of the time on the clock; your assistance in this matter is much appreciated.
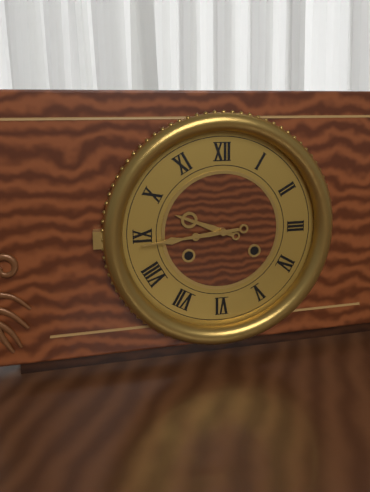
9:44
